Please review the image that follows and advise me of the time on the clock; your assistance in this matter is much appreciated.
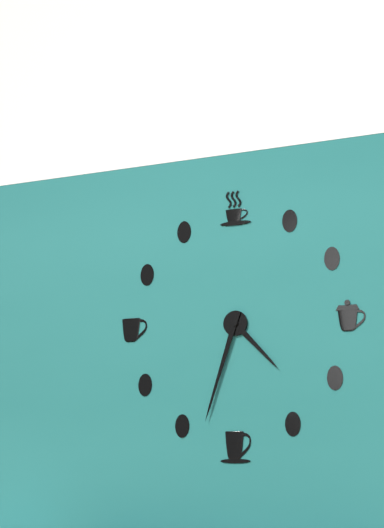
4:33
